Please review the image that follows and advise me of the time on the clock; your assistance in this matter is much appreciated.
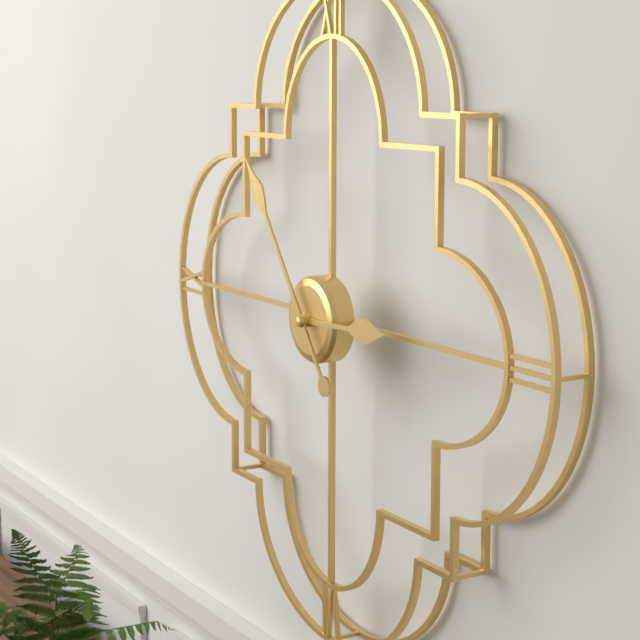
2:54
